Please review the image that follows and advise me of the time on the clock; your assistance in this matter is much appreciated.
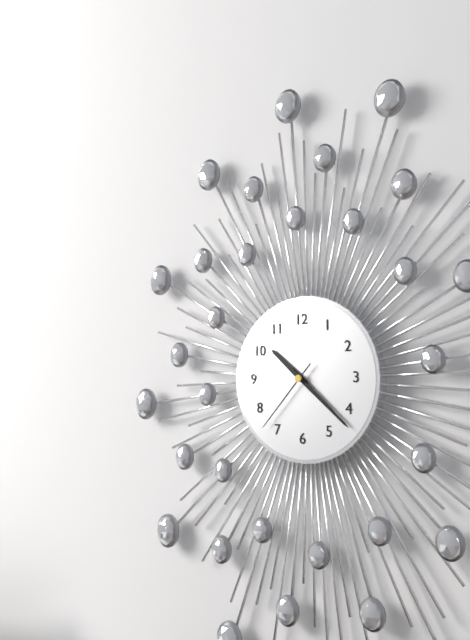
10:22:37
